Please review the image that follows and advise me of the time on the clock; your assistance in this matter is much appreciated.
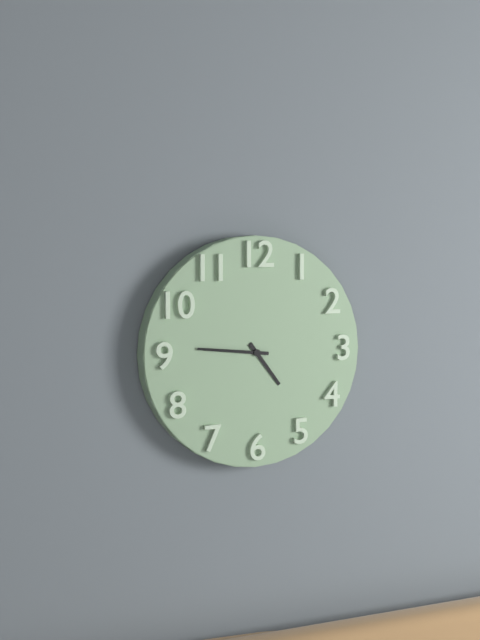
4:46
